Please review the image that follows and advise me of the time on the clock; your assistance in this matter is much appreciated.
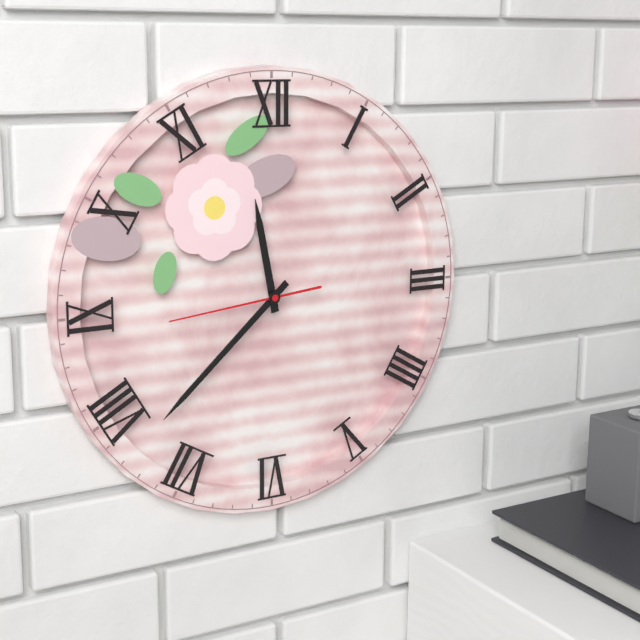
11:38:44
